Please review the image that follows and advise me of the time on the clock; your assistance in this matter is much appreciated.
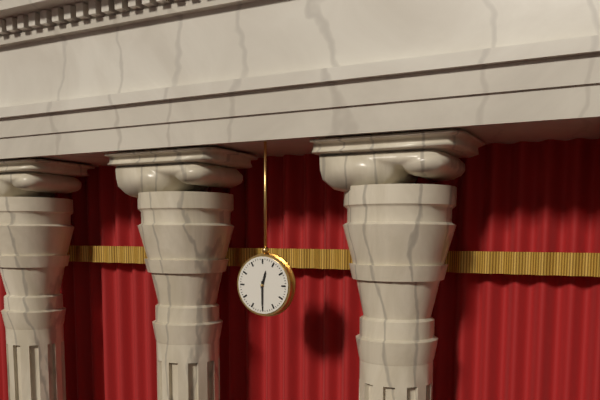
12:30
